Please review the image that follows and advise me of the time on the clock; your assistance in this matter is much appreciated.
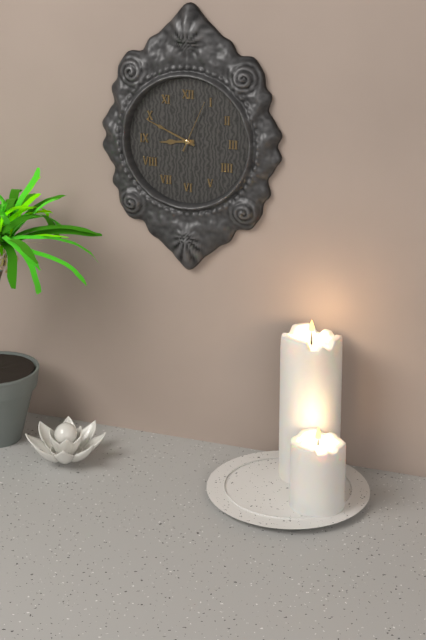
8:49:04
